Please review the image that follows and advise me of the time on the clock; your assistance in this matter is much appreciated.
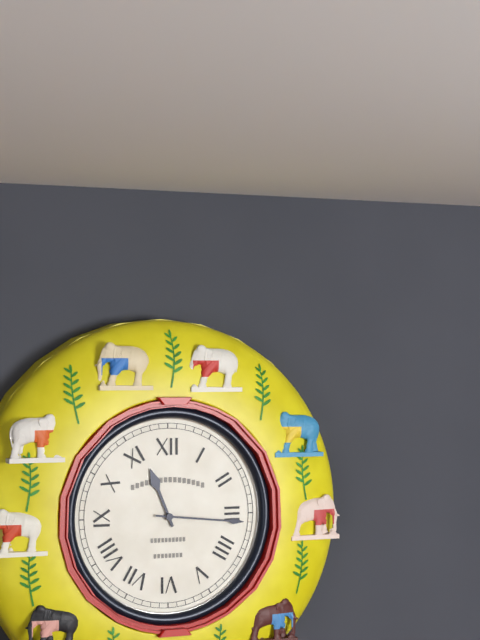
11:16
